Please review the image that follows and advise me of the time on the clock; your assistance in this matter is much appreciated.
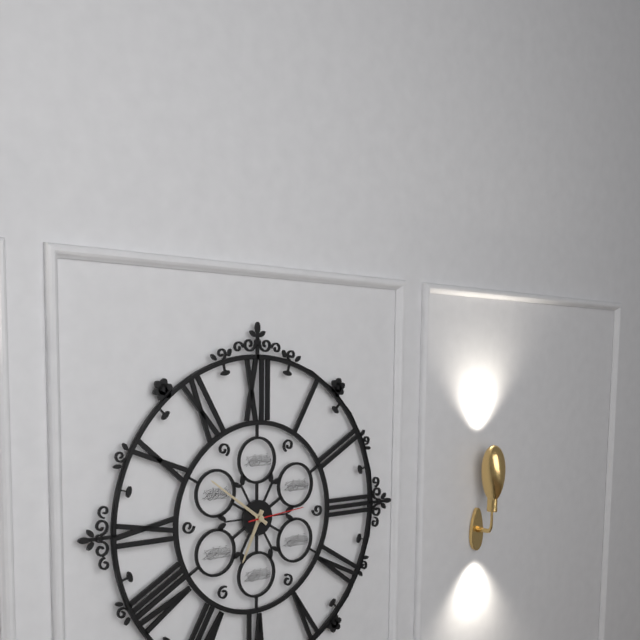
6:51:14
